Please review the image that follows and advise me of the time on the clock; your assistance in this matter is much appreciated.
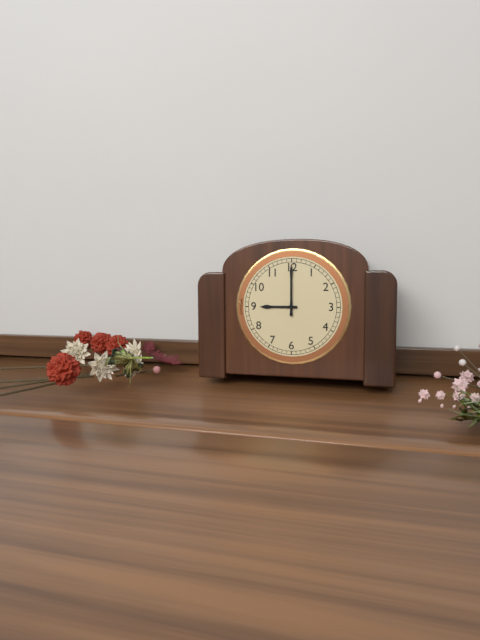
9:00
